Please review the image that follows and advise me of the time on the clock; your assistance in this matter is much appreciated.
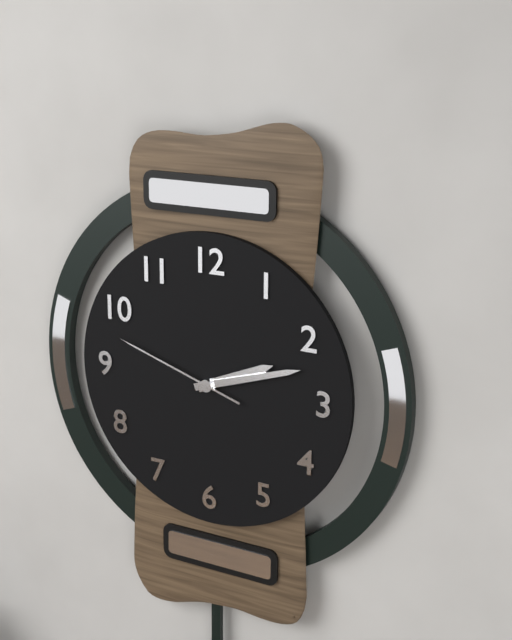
2:12:48
